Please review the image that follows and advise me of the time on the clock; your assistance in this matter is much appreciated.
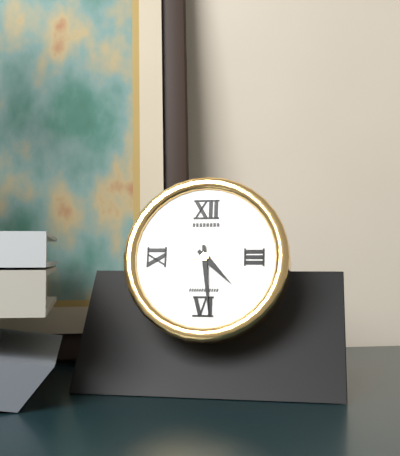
4:29
